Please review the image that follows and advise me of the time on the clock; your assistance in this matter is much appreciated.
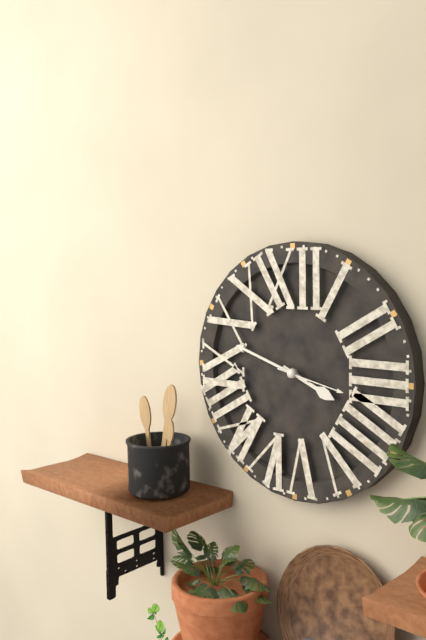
3:48:17
